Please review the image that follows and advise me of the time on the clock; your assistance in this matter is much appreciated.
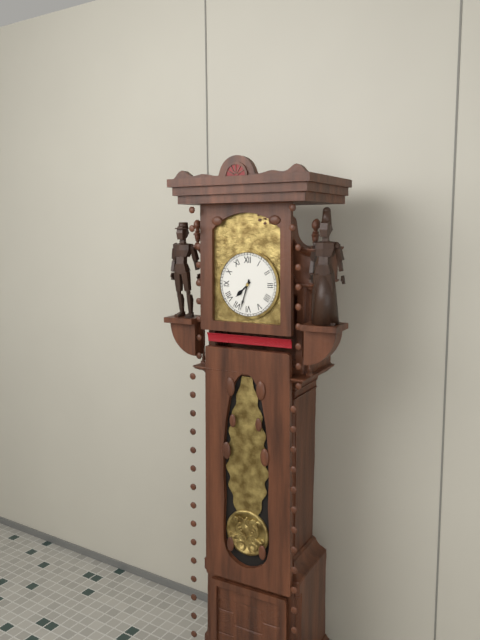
7:33
